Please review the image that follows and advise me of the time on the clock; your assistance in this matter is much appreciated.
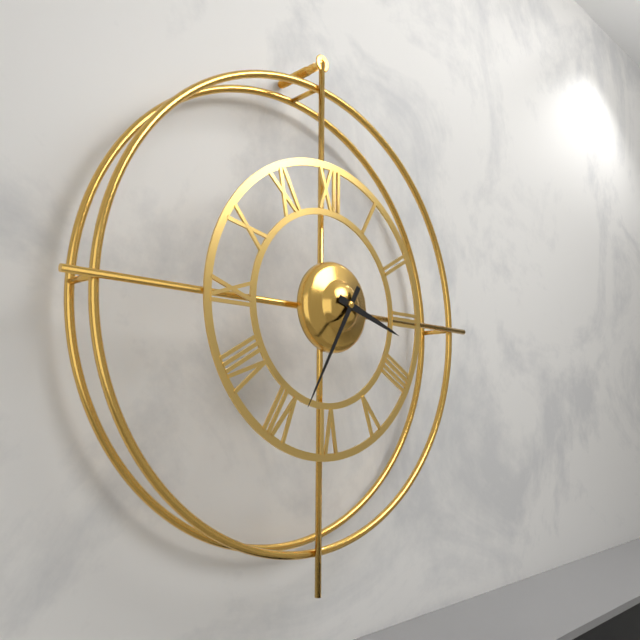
3:35
